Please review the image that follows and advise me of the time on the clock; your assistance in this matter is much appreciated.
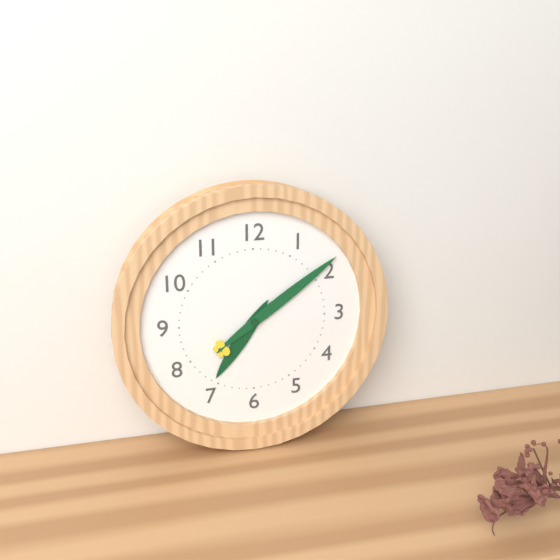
7:09
